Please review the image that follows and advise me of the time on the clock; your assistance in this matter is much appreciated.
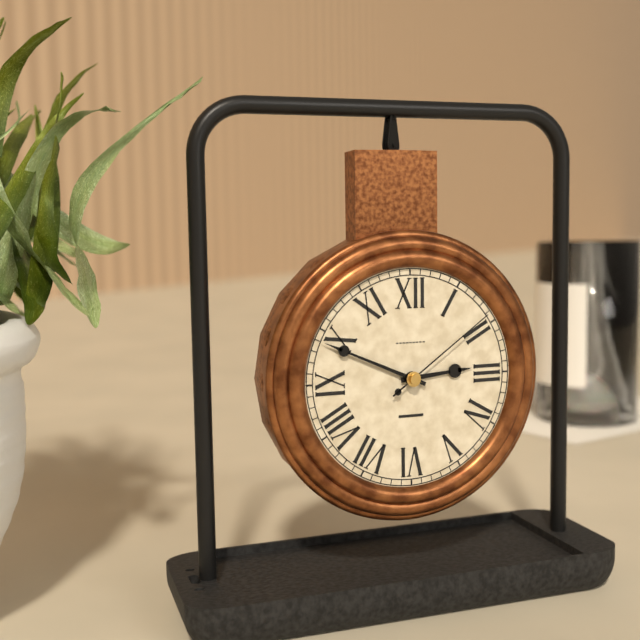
2:49:09
